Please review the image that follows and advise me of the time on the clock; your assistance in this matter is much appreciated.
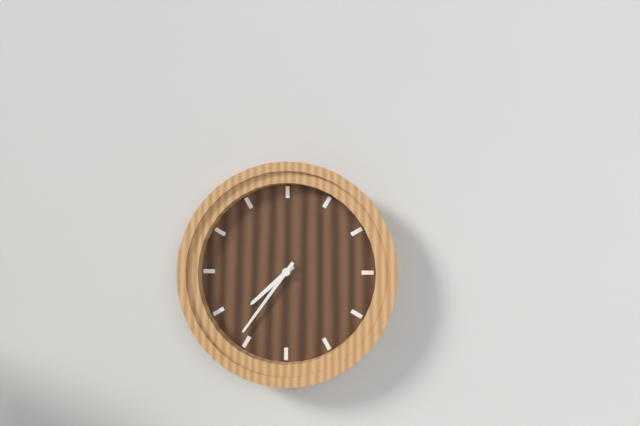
7:36
